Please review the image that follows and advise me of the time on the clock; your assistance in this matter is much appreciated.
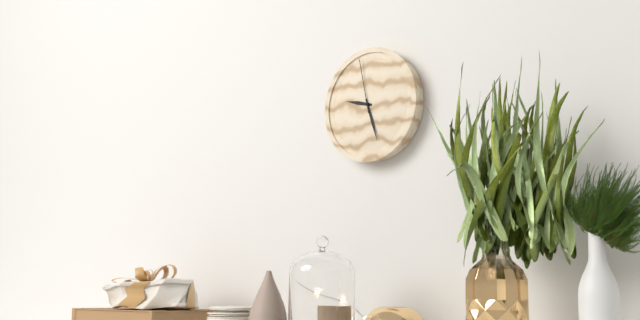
9:27:58
